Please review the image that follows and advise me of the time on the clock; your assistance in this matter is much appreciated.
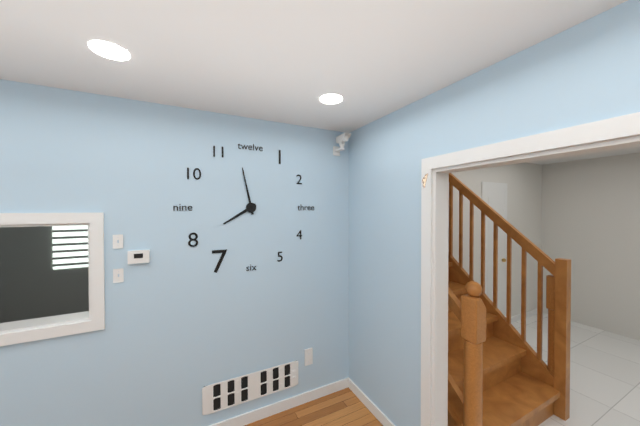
7:58
